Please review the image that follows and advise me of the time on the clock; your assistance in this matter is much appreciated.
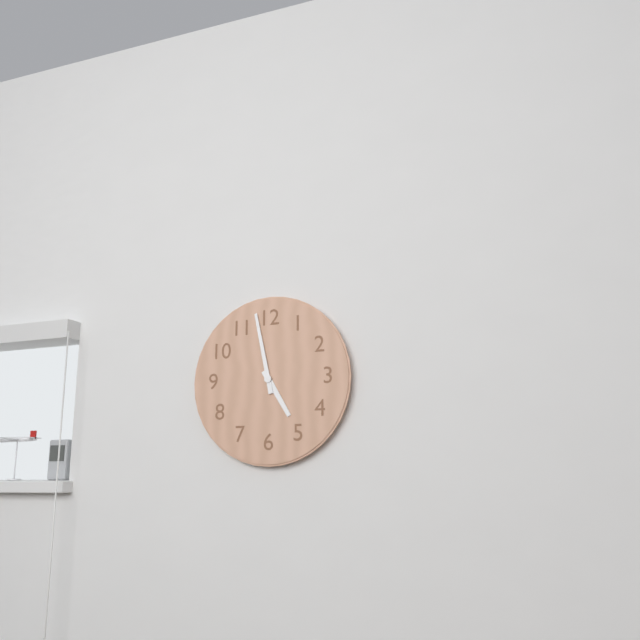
4:58
